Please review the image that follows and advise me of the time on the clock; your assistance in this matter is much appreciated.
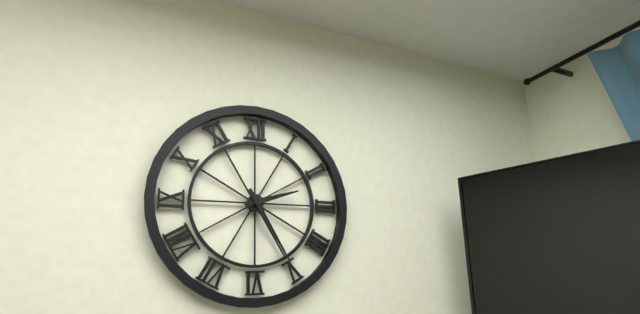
2:25
